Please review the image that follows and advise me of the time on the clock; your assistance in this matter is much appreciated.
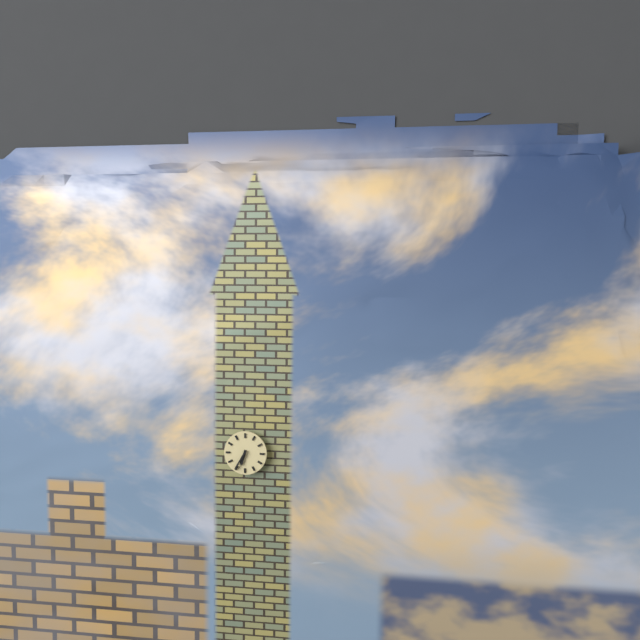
6:35
